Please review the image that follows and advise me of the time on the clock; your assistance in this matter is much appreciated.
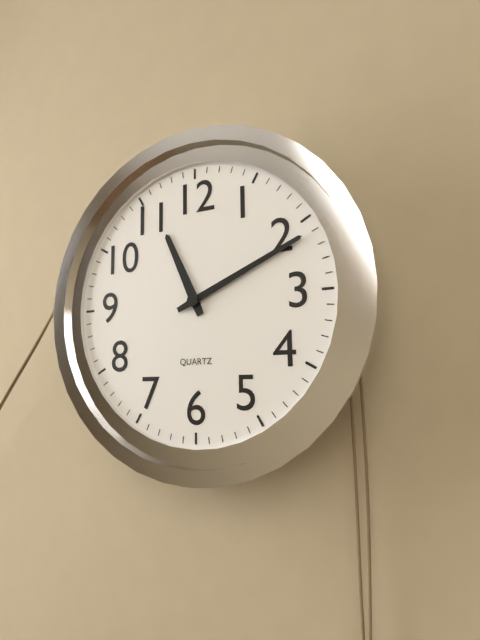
11:11
